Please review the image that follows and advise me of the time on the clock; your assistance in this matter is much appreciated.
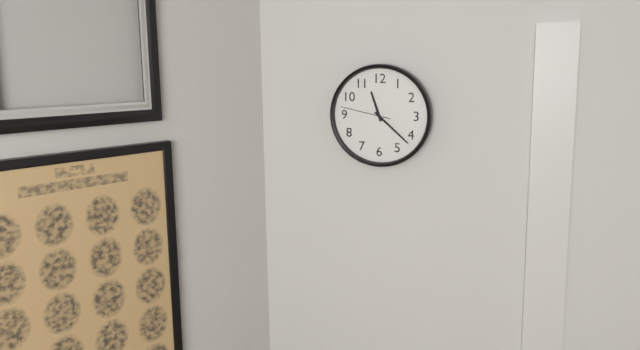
11:22
